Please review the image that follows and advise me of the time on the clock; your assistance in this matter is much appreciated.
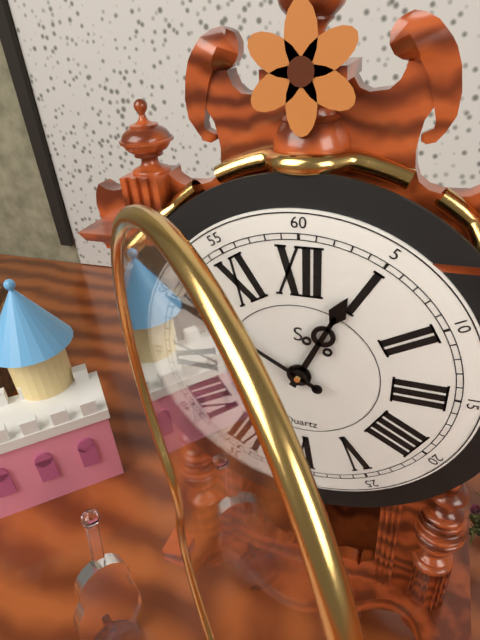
12:50
